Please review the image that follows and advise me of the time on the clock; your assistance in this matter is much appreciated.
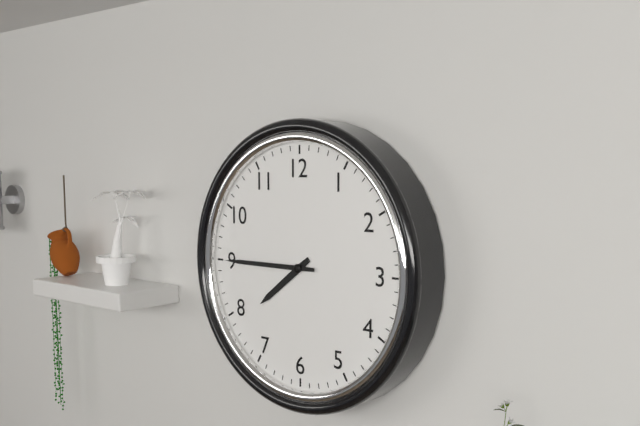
7:45
